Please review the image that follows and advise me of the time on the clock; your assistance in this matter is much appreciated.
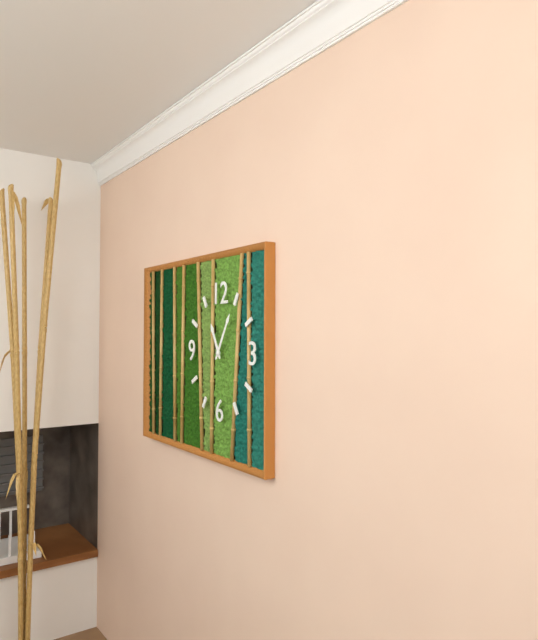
11:05
